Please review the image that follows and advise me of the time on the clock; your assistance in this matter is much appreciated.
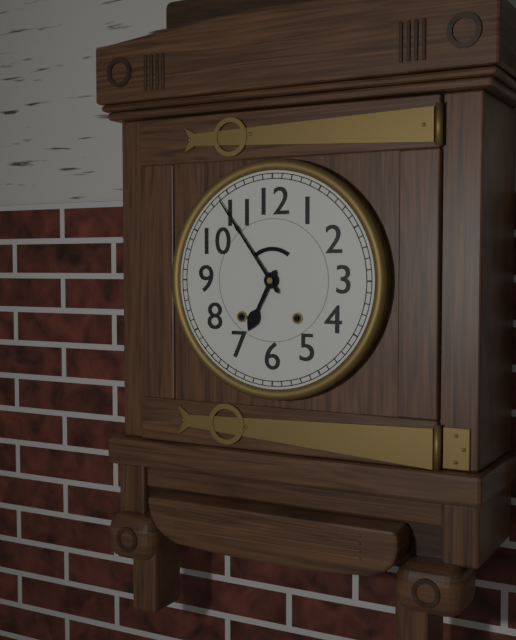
6:54
